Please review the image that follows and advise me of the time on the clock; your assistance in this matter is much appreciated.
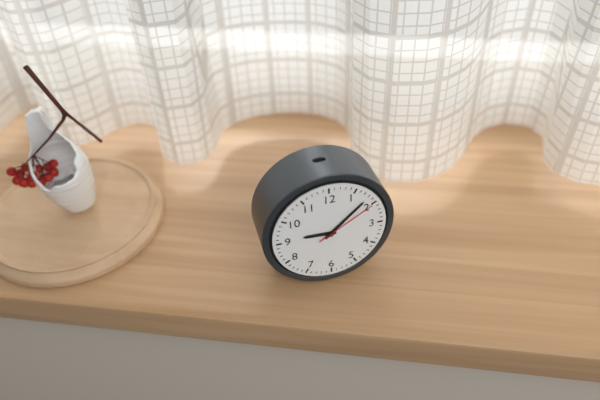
9:08:10
